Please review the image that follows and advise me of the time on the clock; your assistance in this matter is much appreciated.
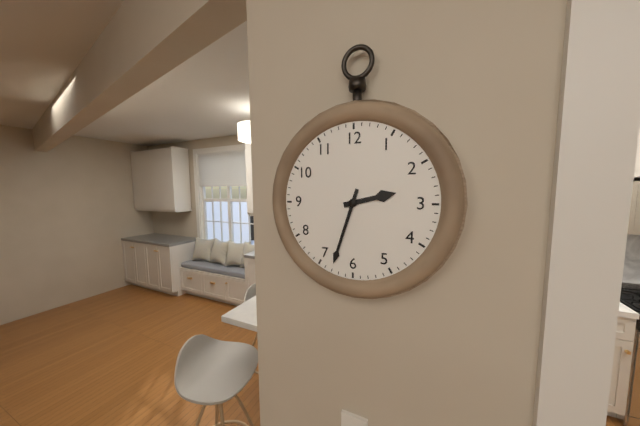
2:33
